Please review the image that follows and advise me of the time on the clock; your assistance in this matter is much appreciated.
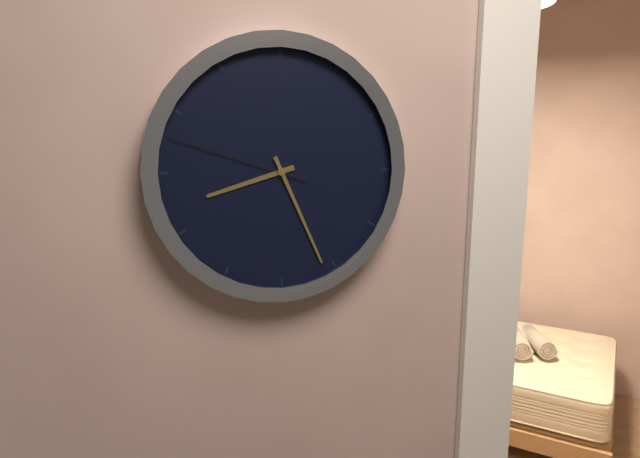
8:26:48
